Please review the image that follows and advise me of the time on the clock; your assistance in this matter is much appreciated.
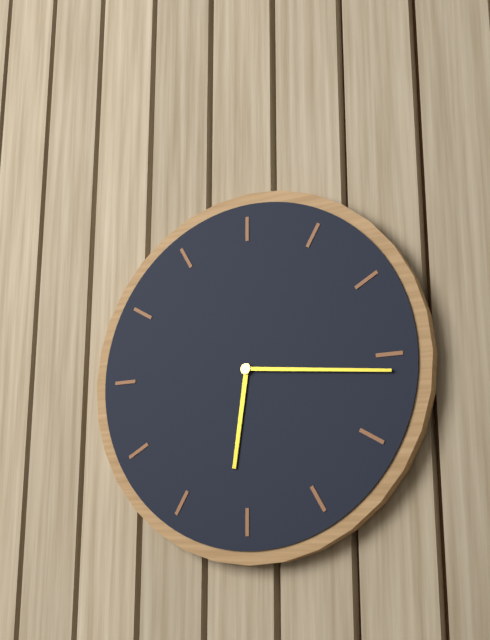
6:16
